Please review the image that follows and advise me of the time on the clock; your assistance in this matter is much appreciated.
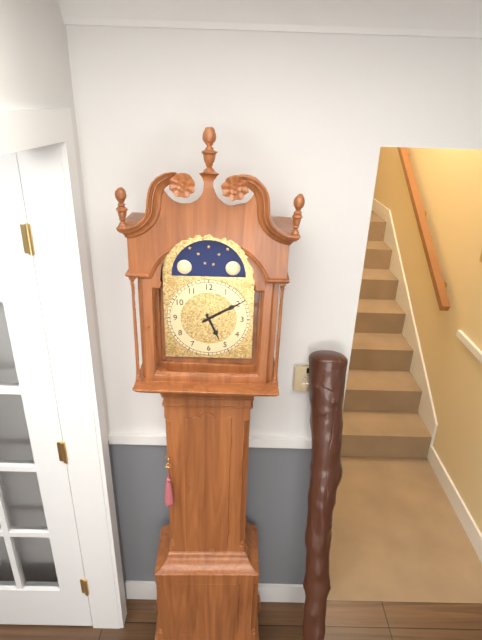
5:10
